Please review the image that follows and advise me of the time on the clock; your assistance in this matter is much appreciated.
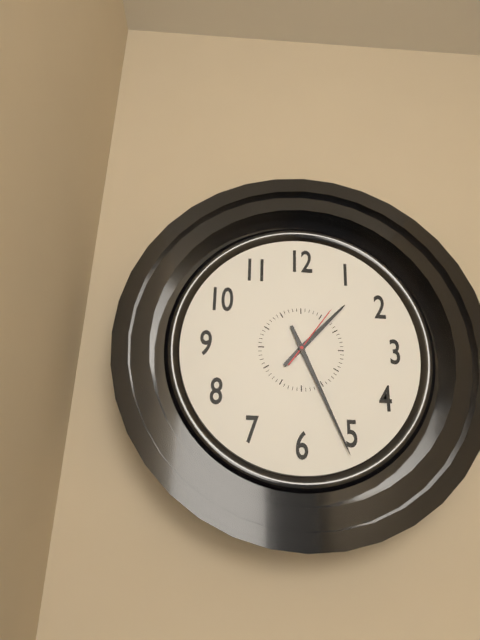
1:26:06
